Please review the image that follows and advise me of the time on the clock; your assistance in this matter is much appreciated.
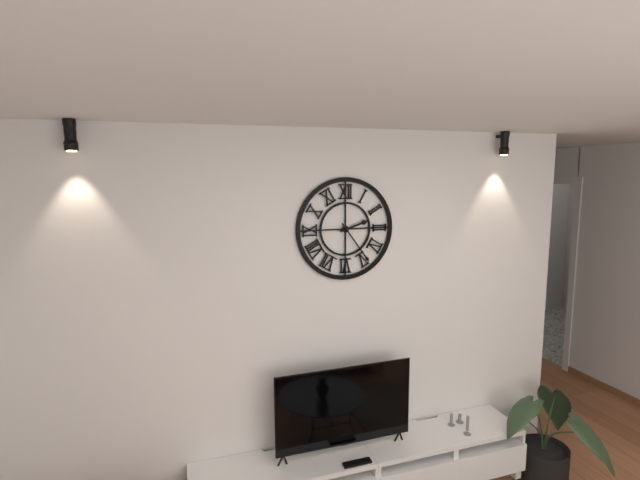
2:24
